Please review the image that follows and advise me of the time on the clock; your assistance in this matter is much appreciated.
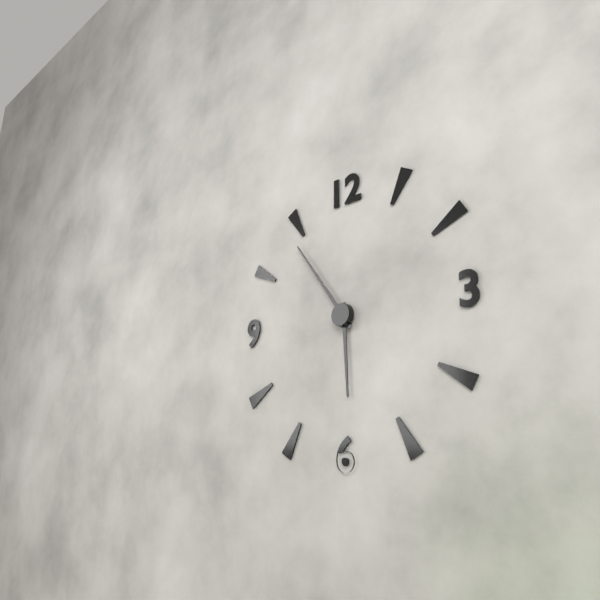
5:54
